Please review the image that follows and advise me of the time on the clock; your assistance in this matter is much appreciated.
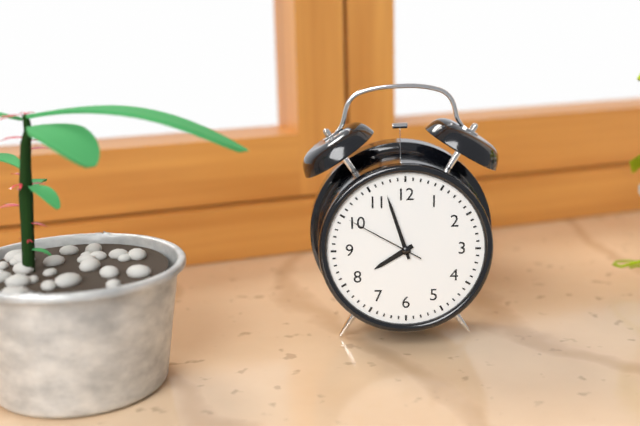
7:57:50
